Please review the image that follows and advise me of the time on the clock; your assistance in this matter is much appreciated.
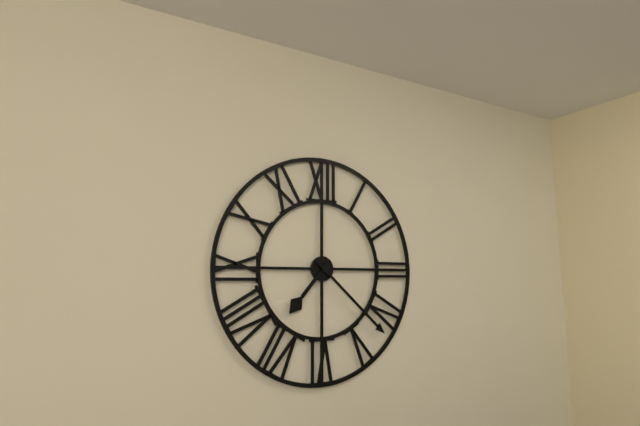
7:22
